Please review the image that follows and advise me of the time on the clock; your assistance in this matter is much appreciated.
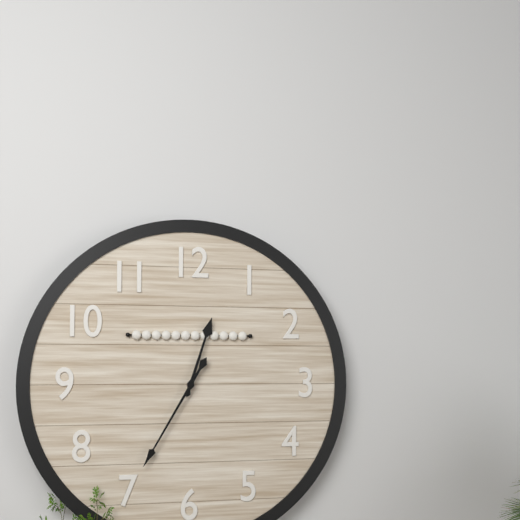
12:35
